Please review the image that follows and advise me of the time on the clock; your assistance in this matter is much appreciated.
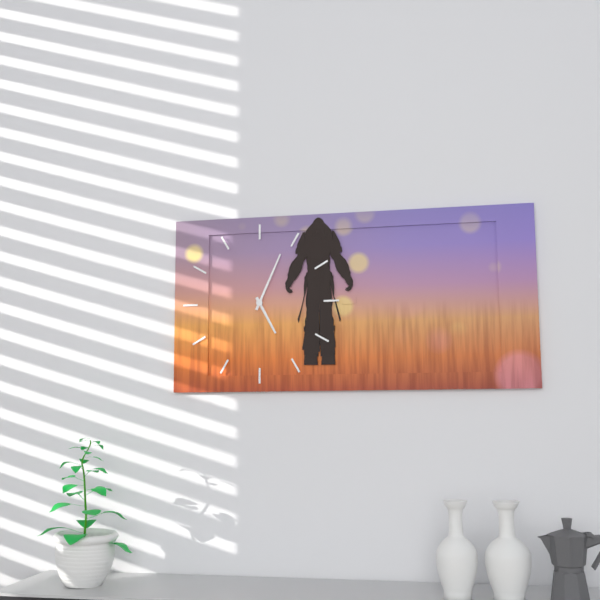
5:04
